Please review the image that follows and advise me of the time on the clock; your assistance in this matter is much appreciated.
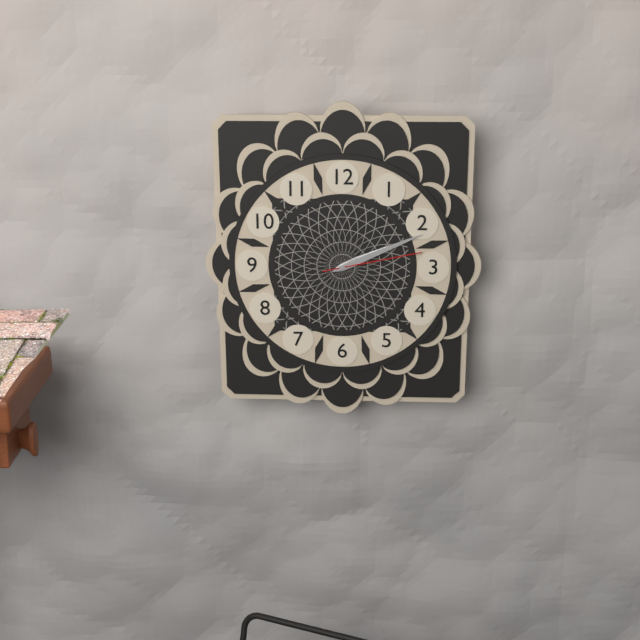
2:11:13
